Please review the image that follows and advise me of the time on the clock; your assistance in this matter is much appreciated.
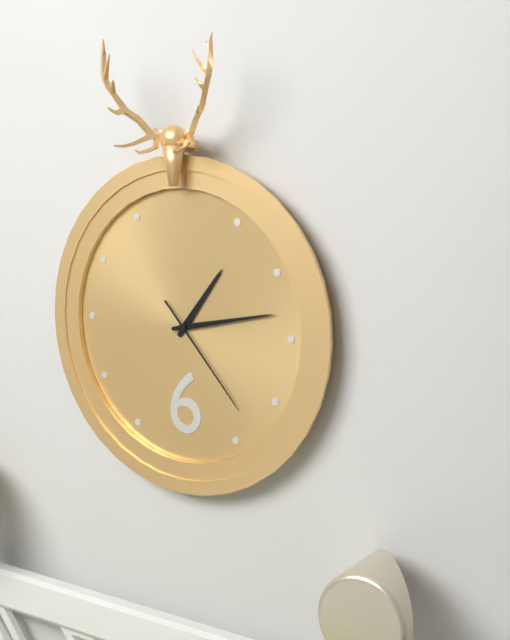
1:13:23
